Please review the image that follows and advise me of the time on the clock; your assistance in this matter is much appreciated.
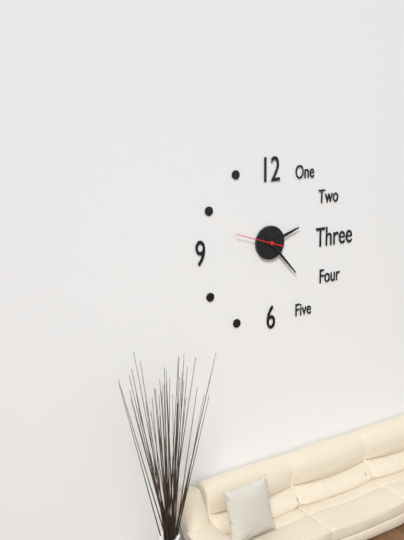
2:23
